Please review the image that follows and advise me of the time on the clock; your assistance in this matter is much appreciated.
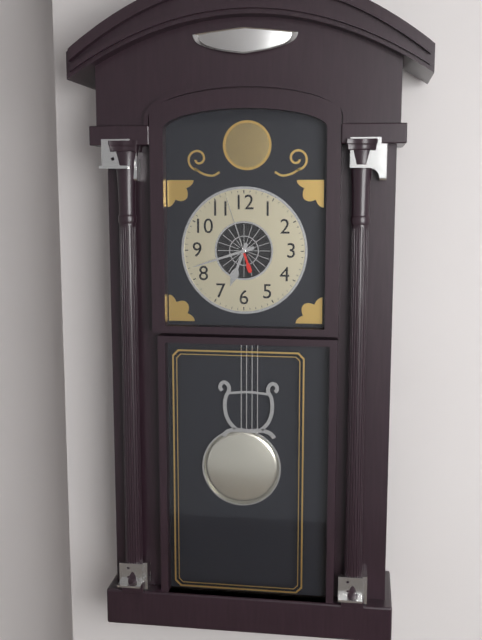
6:42:57
